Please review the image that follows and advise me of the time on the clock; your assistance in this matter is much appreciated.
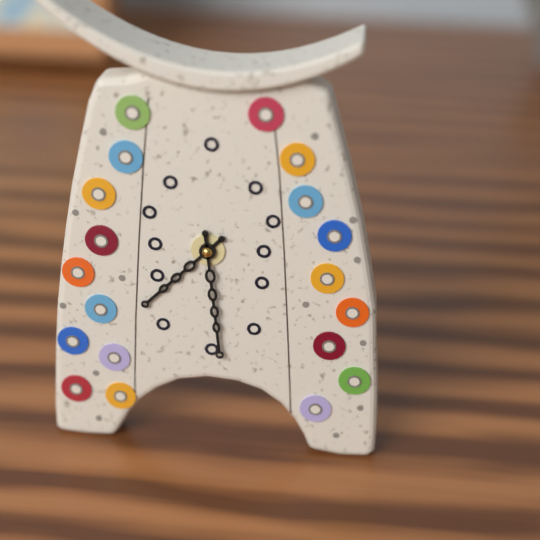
7:29
